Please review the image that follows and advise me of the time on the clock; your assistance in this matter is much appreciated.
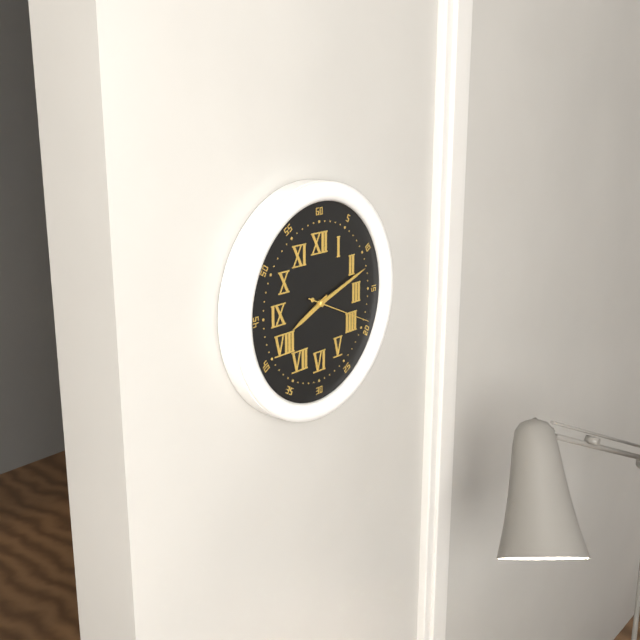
8:12:19
